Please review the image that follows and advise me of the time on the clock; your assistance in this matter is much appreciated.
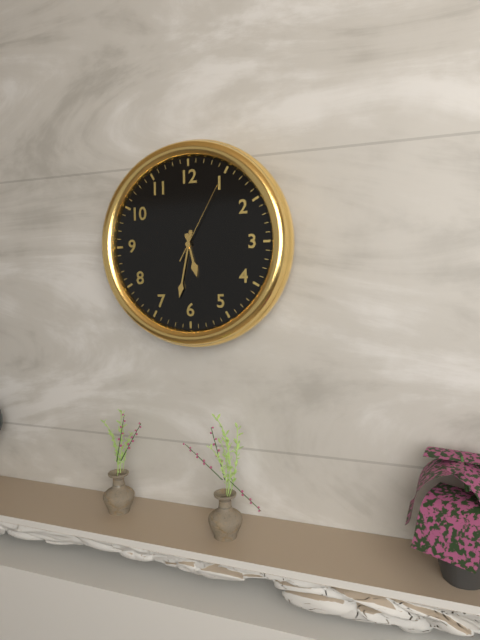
5:32:05
